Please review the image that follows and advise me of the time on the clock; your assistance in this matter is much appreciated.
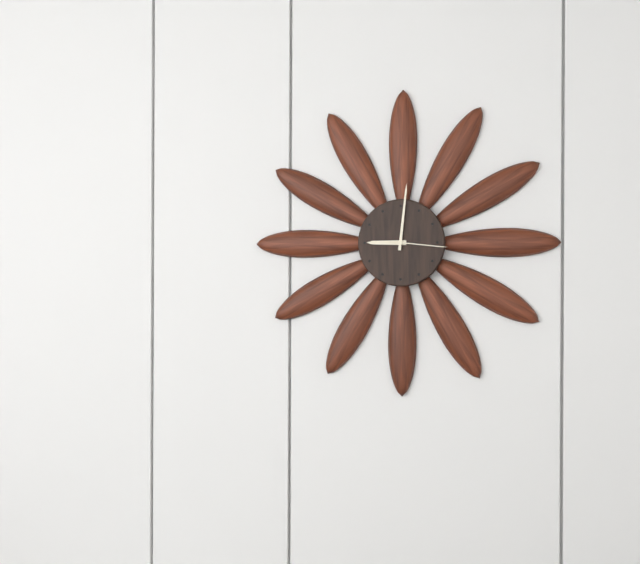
9:01:16
